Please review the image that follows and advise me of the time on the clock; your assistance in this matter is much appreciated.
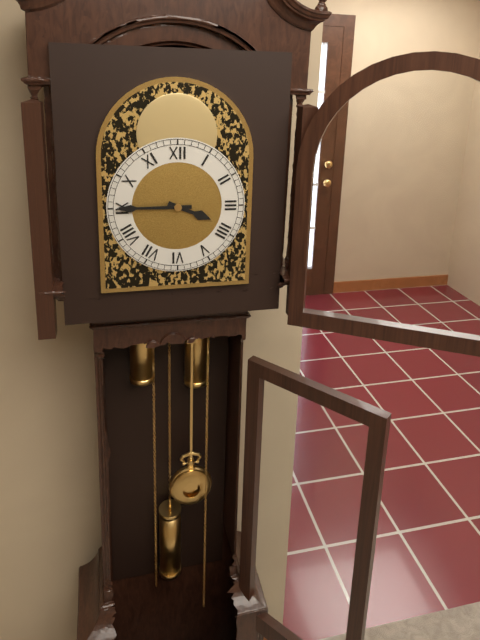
3:45
